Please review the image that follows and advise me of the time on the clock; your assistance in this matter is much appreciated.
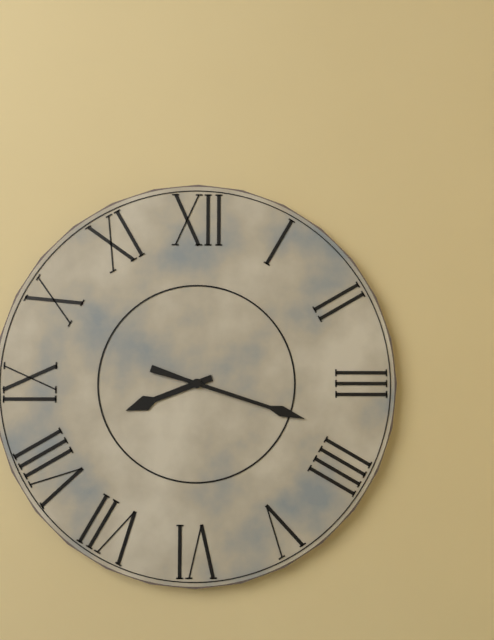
8:18
